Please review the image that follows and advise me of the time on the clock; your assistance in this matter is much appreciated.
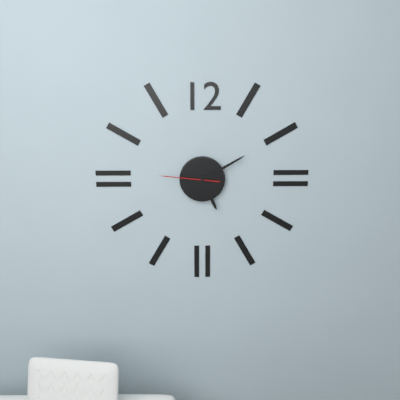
5:10:46
